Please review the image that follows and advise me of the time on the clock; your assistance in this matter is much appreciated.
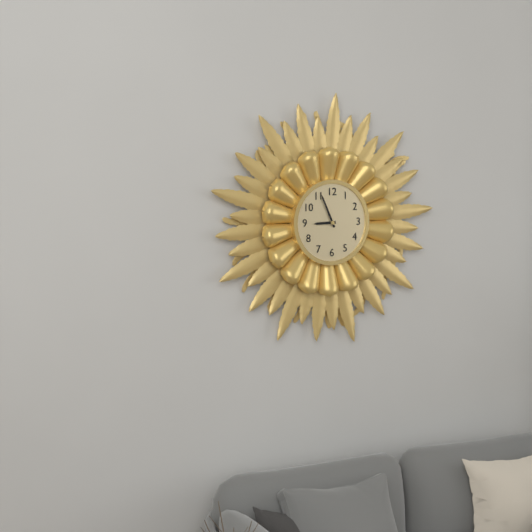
8:56
